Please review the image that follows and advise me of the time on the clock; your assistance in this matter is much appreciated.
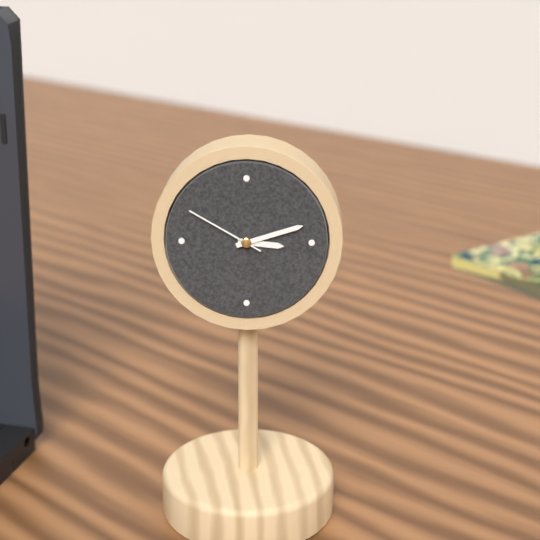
3:12:50
